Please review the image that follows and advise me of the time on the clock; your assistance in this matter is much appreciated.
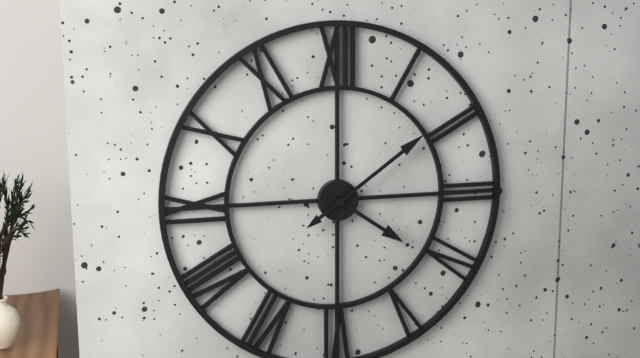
4:09
